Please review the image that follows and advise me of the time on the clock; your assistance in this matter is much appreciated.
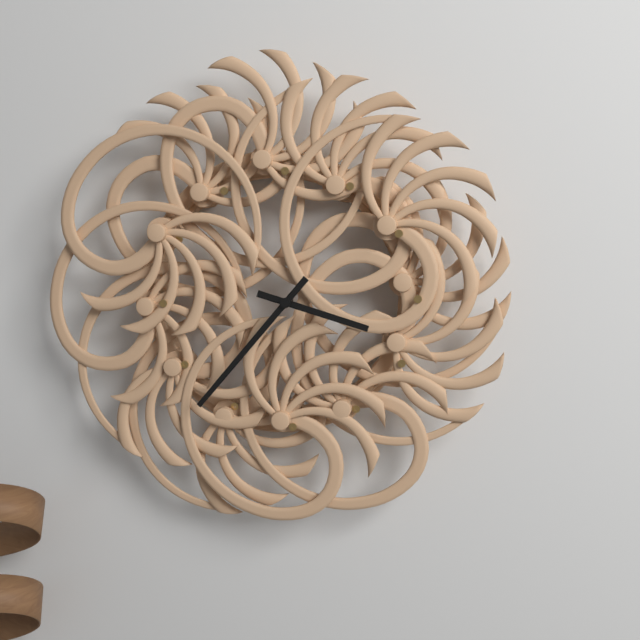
3:37
